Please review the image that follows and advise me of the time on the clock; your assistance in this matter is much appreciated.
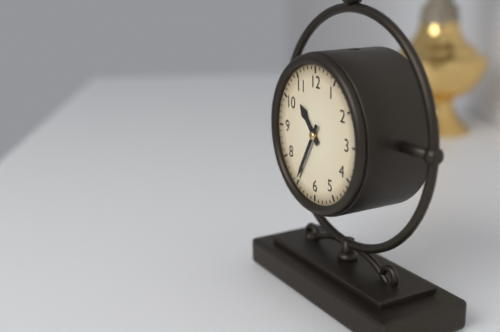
10:35
